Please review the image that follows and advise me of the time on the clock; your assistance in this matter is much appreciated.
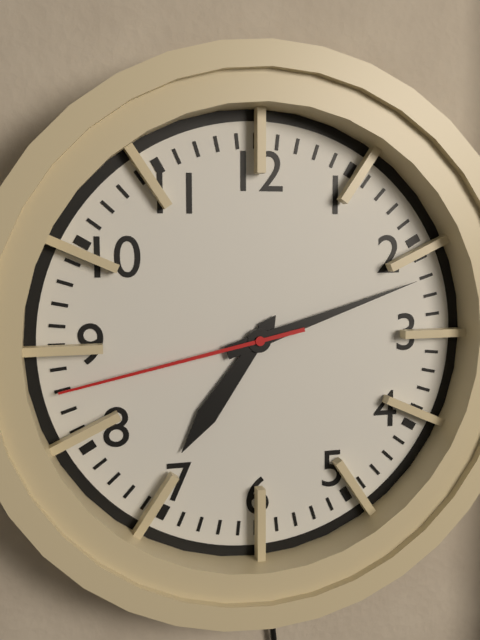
7:12:43
